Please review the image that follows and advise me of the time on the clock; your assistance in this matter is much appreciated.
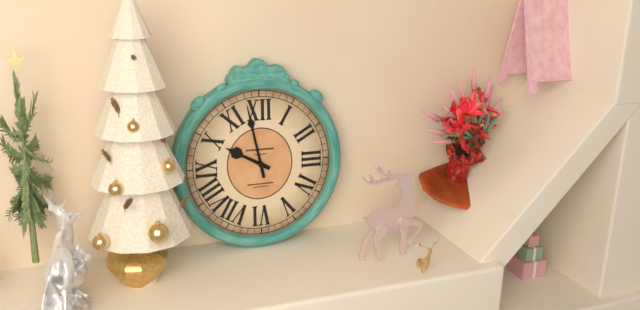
9:58
